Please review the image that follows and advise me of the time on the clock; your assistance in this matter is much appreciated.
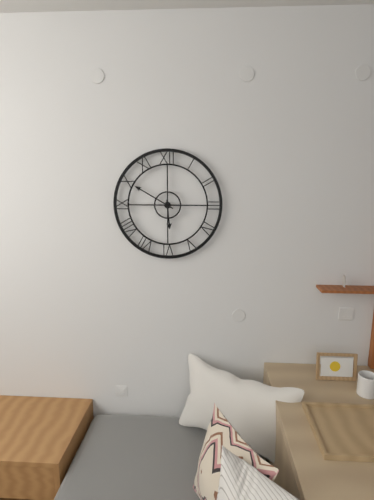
5:50
